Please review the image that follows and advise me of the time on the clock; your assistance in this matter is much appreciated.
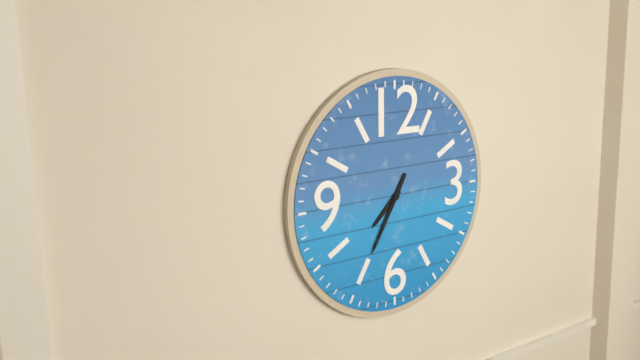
7:35
